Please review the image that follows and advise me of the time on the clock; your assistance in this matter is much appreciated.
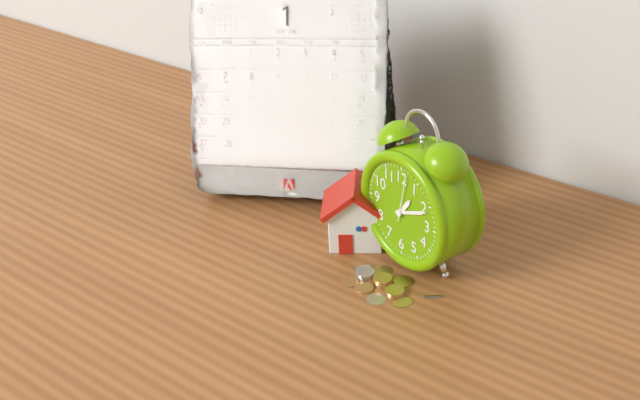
1:11
